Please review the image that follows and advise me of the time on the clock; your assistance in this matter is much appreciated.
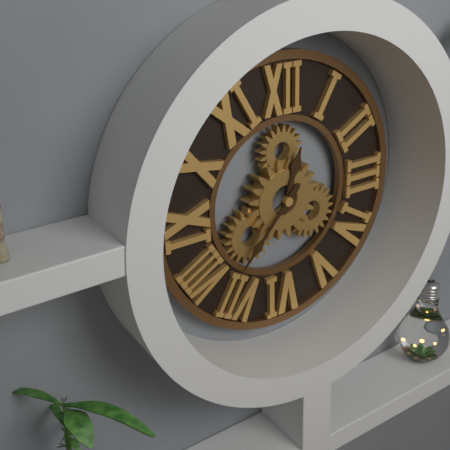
12:37
